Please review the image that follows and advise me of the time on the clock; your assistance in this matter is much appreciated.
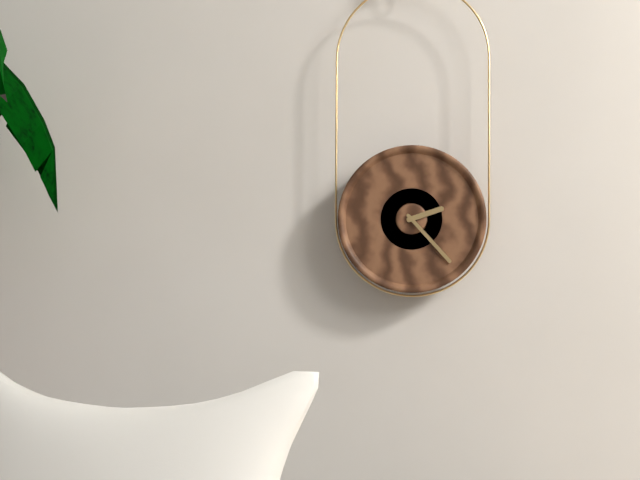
2:23
